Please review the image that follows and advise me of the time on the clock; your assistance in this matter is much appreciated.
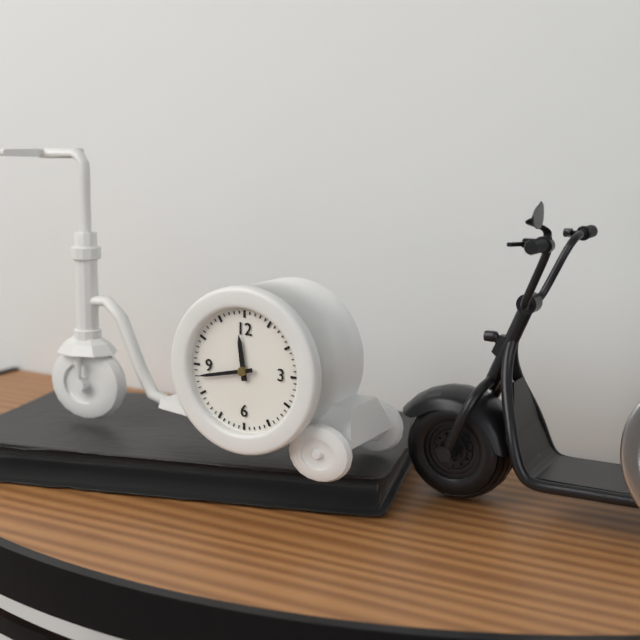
11:43
